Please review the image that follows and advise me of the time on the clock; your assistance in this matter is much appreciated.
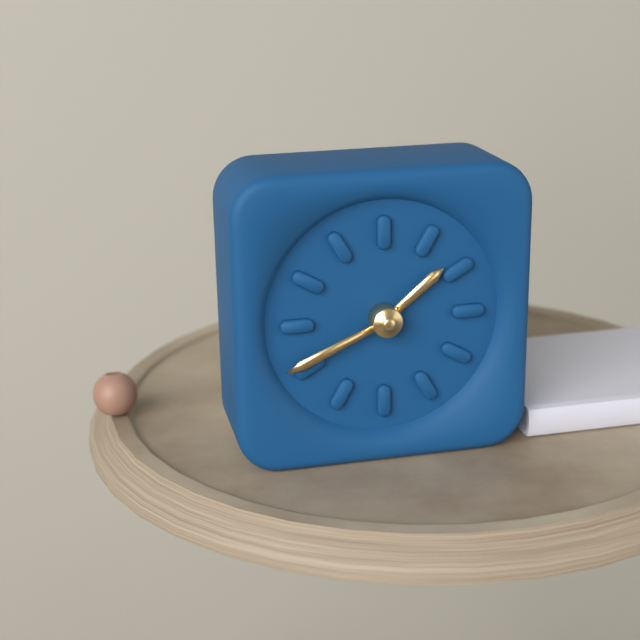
1:41
